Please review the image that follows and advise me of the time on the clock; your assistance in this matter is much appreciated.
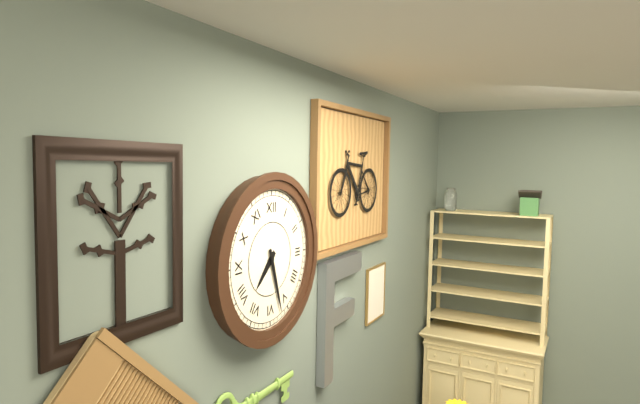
7:27
